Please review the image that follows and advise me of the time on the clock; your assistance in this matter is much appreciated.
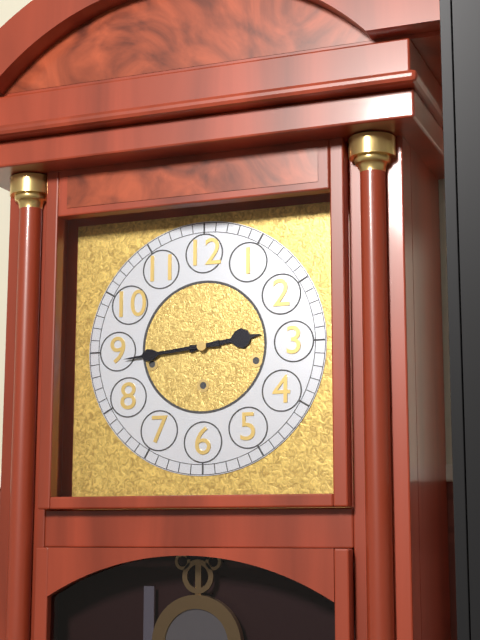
2:44
